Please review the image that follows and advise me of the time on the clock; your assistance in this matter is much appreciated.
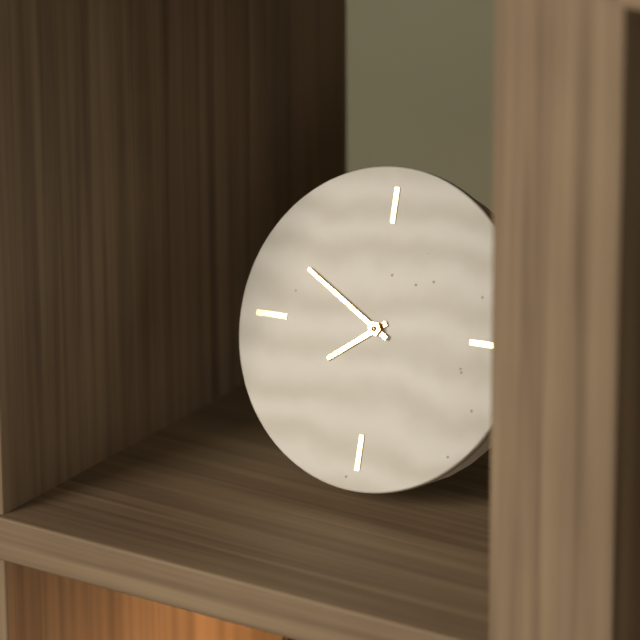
7:50
